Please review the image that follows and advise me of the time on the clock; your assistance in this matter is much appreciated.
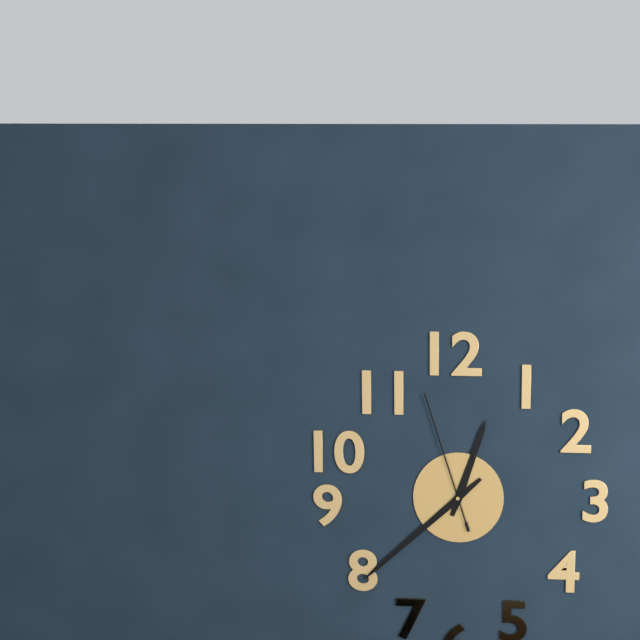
12:38:57
